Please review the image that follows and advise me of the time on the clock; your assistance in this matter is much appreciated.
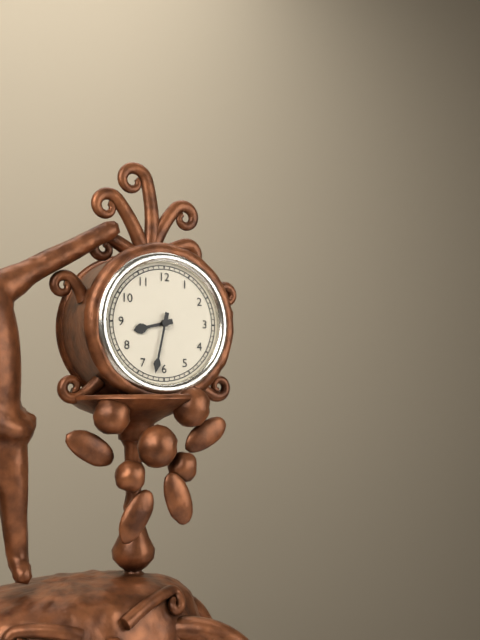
8:32
